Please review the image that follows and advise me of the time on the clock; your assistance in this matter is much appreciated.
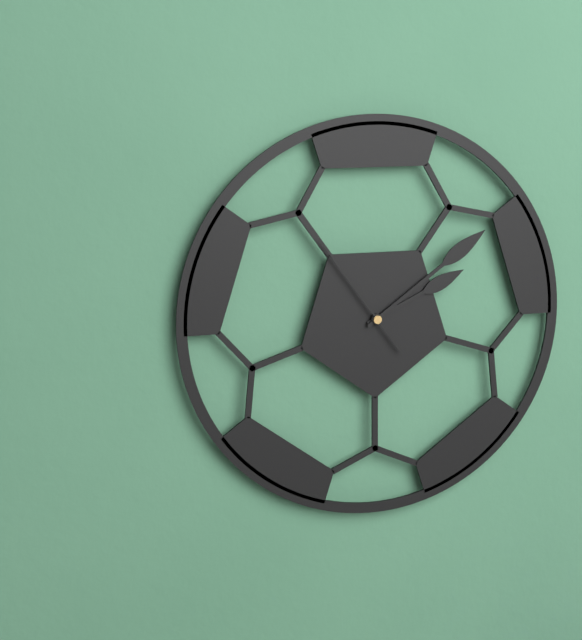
2:09:54
